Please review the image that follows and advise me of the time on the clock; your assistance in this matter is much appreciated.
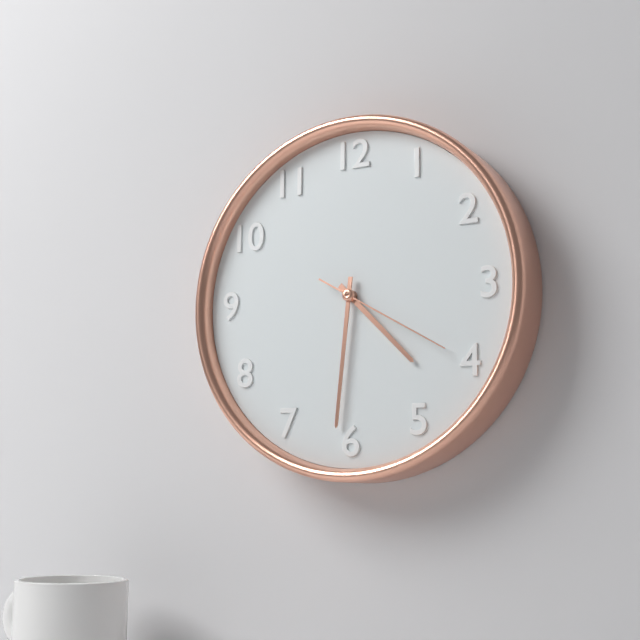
4:31:20
